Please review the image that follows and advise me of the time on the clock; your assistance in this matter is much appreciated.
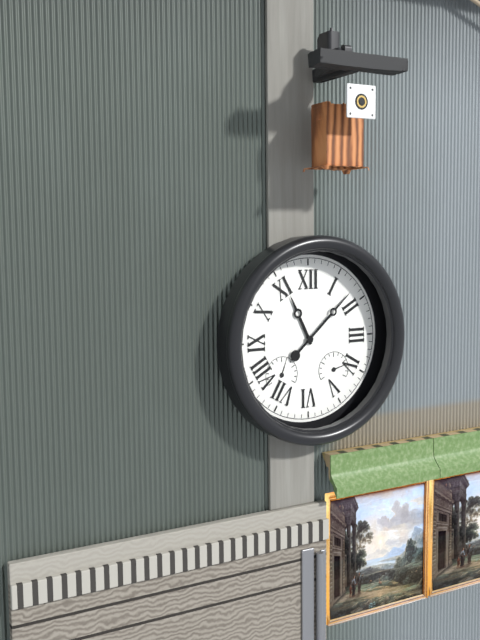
11:08
